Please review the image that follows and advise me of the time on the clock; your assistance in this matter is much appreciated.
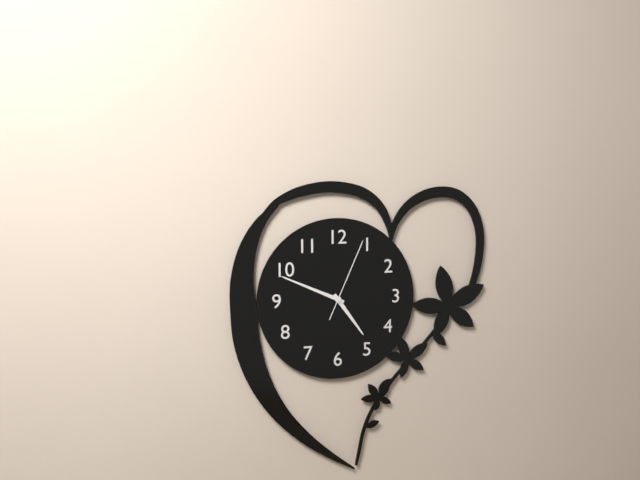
4:49:04
